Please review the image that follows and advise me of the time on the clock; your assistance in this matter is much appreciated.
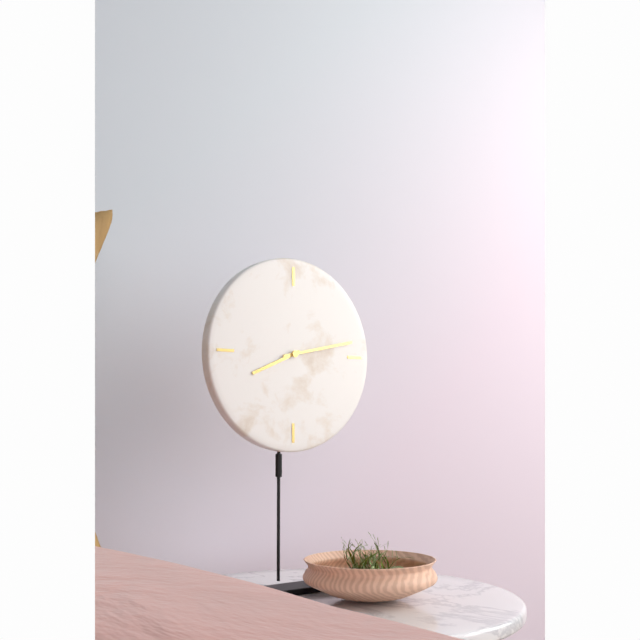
8:13
